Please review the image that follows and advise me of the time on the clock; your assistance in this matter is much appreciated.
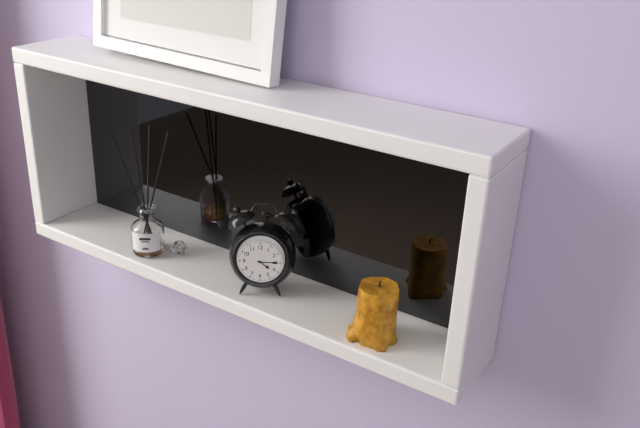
4:15
